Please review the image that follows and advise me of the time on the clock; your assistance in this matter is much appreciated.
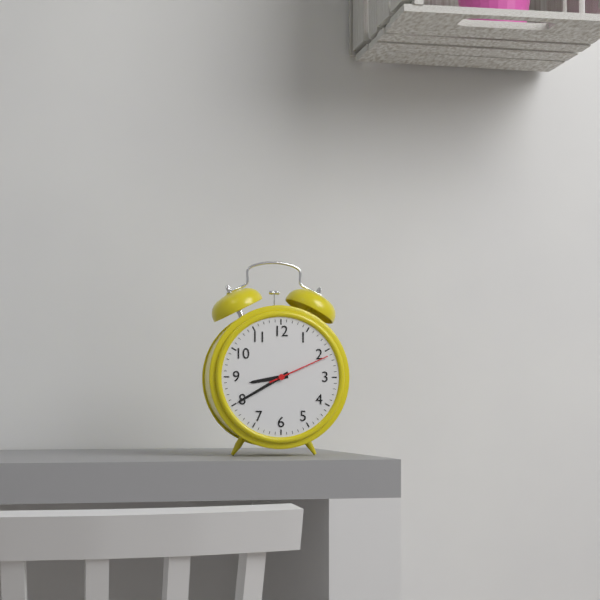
8:40:11
